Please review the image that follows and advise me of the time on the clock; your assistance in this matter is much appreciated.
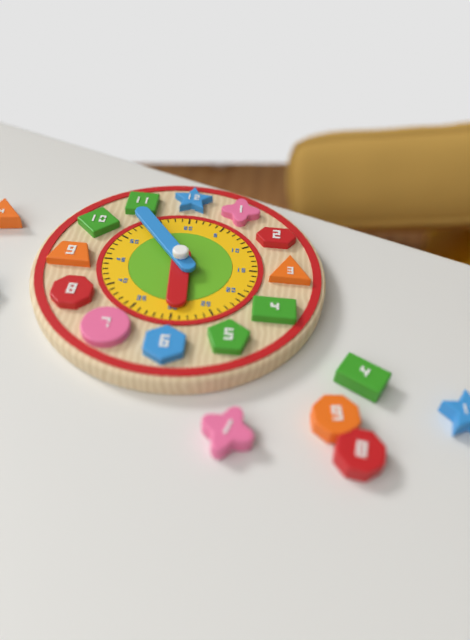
5:54
